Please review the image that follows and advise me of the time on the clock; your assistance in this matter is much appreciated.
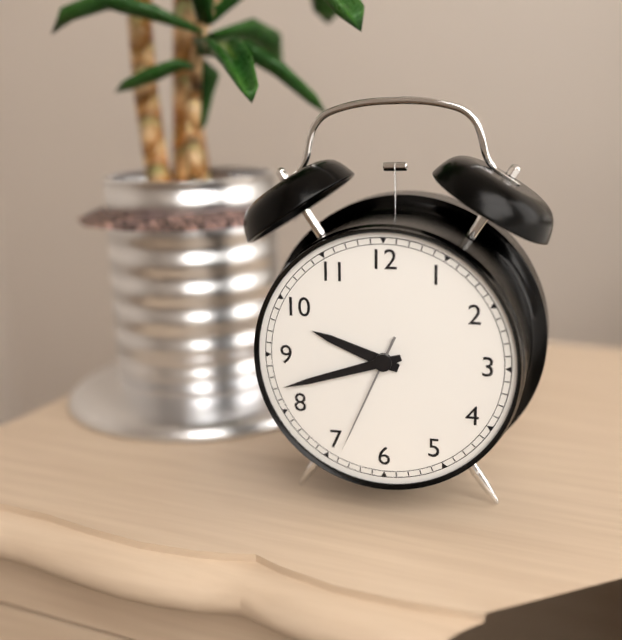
9:42:34
